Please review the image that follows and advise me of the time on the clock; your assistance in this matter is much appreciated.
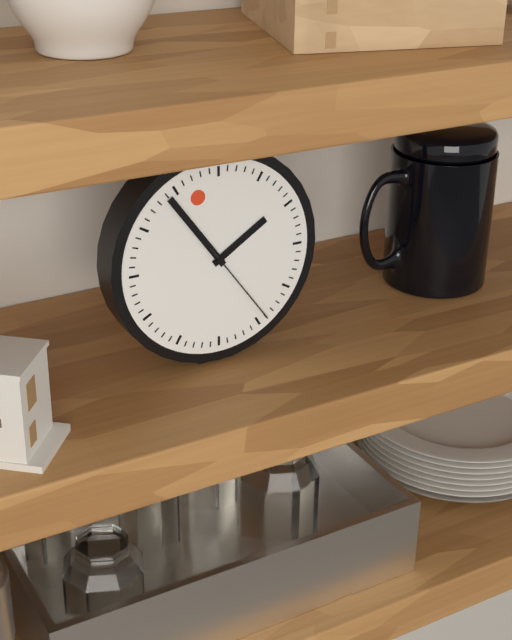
1:54:24
